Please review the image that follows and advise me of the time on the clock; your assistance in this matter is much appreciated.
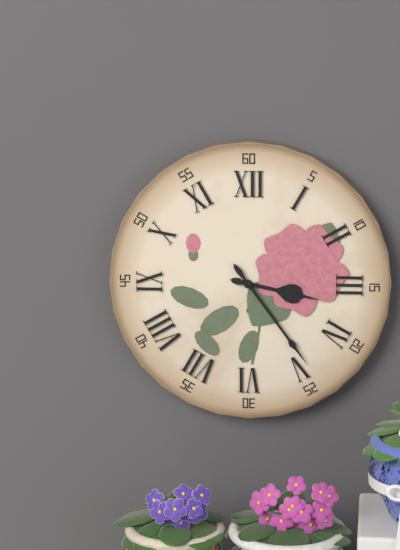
3:24
